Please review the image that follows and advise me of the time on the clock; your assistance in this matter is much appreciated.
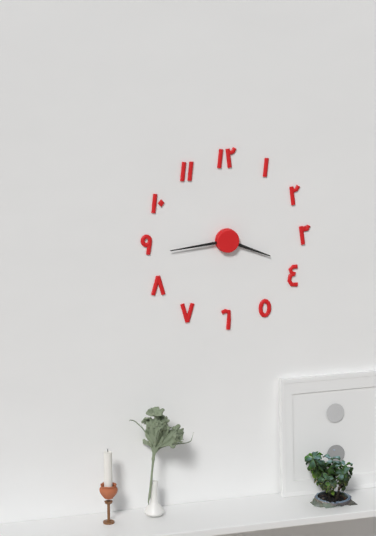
3:44
